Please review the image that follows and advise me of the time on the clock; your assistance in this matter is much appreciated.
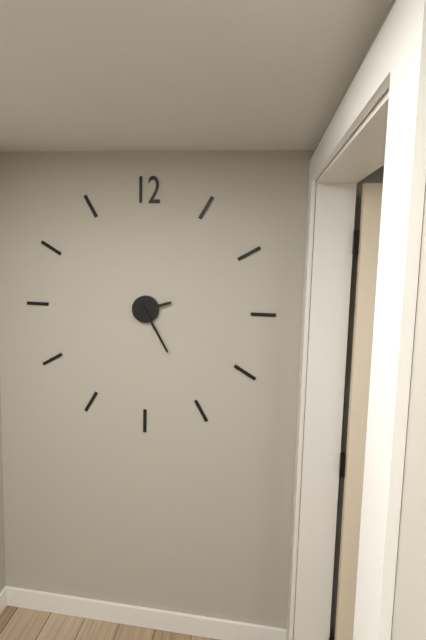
2:25
